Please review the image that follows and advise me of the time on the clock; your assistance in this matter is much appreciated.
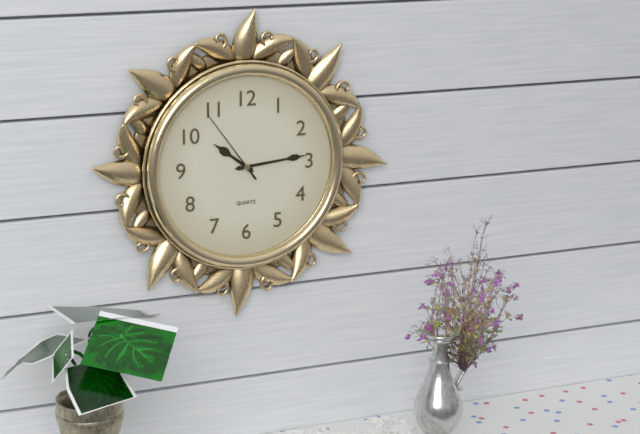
10:14:54
